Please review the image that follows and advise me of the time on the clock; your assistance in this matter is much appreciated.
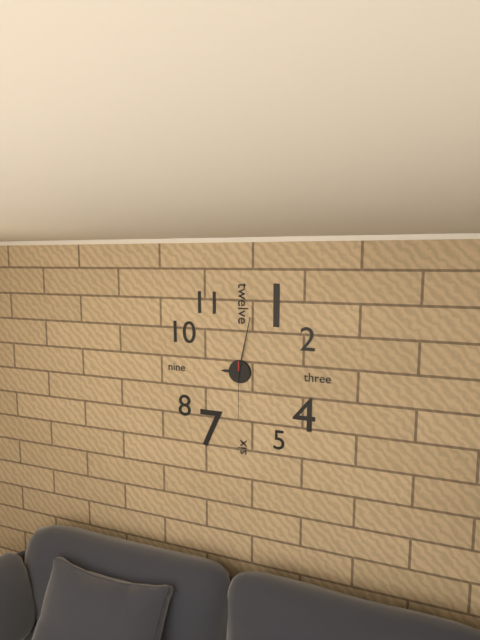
9:02:30
